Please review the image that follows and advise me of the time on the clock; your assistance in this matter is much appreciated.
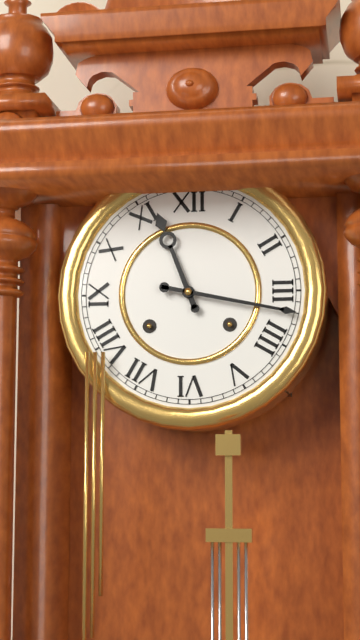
11:17
